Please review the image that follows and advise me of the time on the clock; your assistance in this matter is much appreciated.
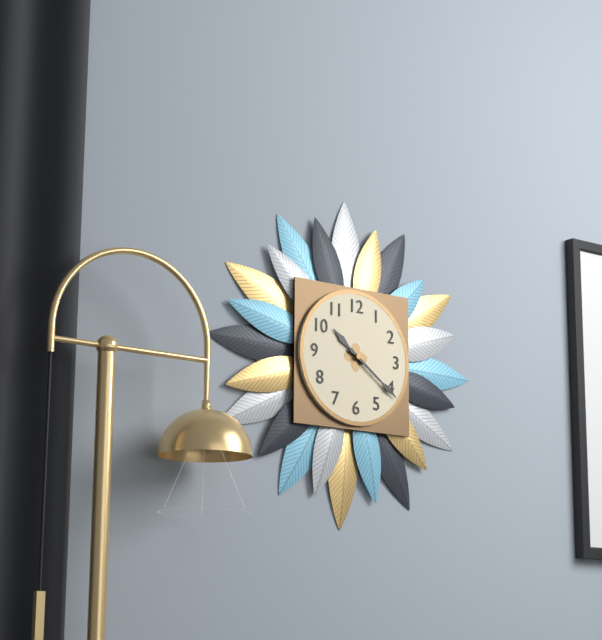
10:21
